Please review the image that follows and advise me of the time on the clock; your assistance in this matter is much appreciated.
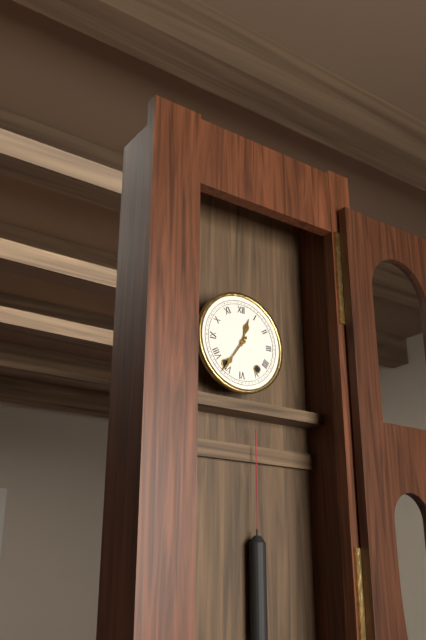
12:36
